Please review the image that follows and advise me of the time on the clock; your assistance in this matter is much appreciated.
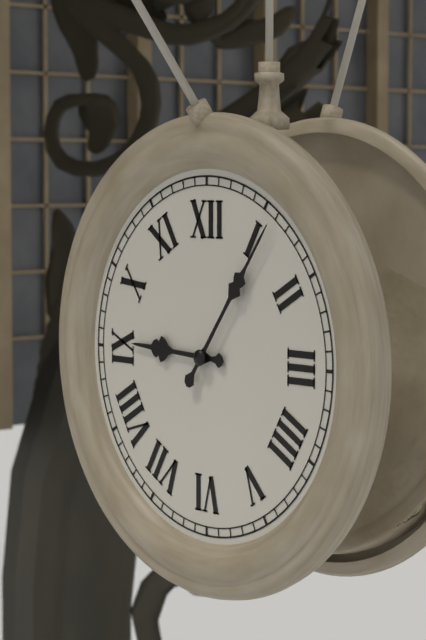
9:06
